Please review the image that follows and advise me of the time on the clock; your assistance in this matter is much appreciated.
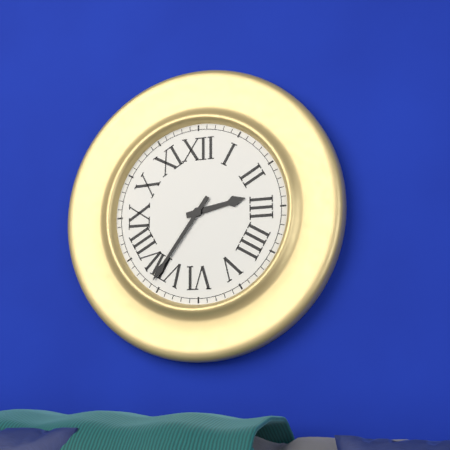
2:36
